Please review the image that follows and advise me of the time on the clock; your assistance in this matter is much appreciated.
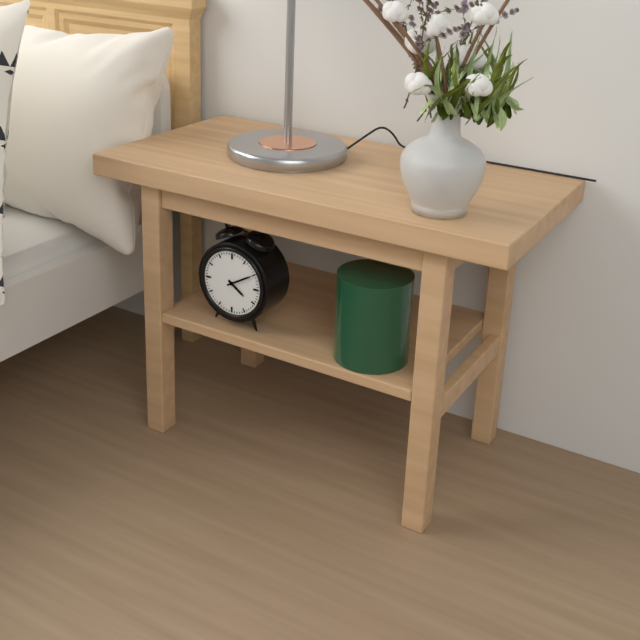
4:10
